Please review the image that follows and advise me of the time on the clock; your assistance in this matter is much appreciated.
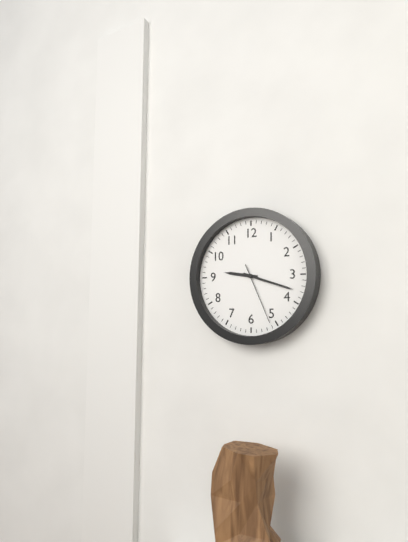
9:18:26
